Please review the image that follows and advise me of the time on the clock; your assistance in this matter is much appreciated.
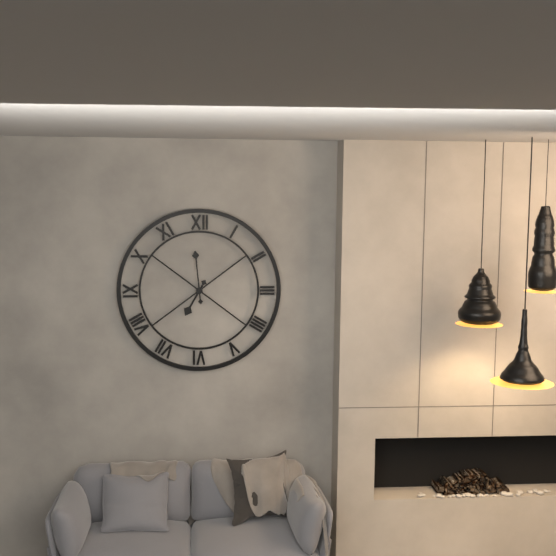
6:59
